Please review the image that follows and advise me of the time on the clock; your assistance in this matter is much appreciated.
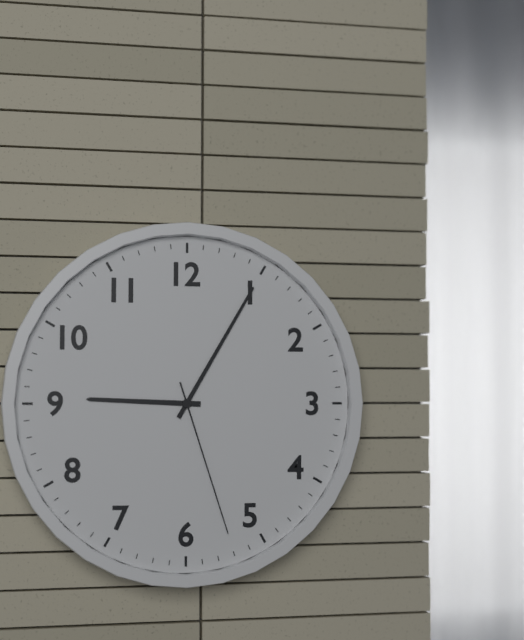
9:05:27
